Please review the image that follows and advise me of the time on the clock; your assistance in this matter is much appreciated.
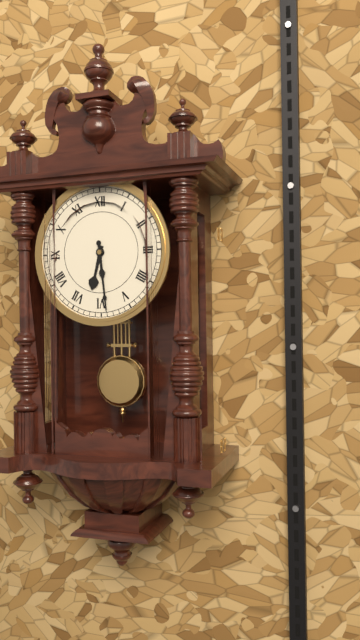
6:29
